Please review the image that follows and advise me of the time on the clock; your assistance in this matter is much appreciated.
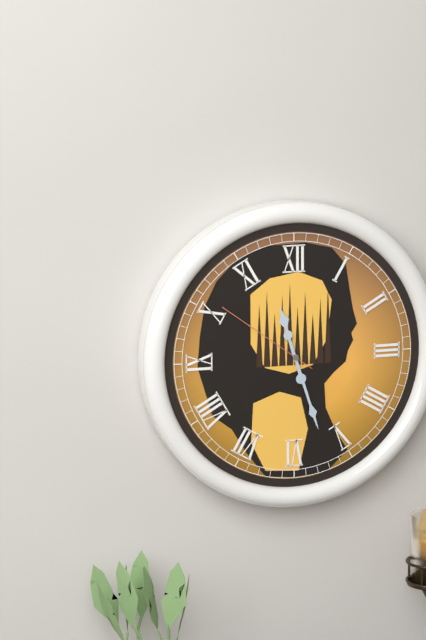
11:27:51
